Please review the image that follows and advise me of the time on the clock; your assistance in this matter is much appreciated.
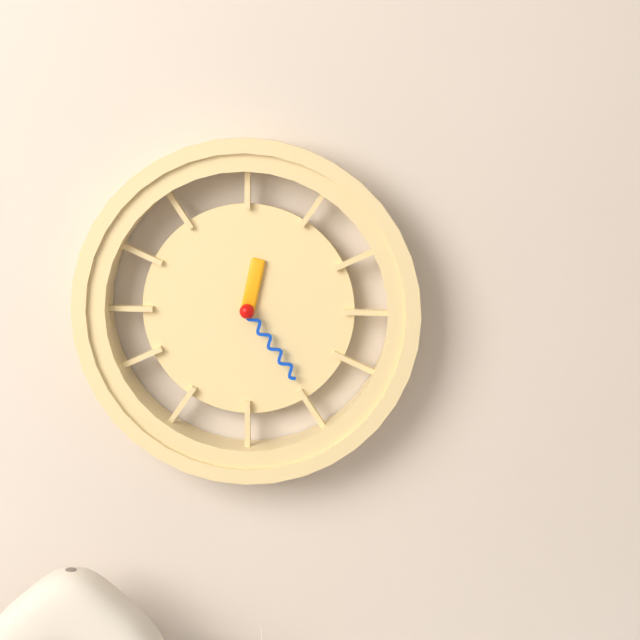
12:24
